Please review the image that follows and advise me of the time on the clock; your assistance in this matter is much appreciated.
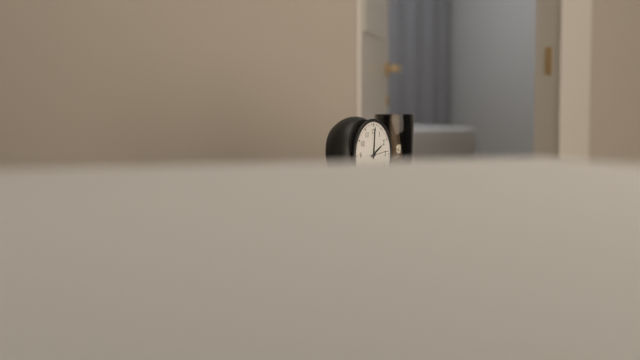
2:01
